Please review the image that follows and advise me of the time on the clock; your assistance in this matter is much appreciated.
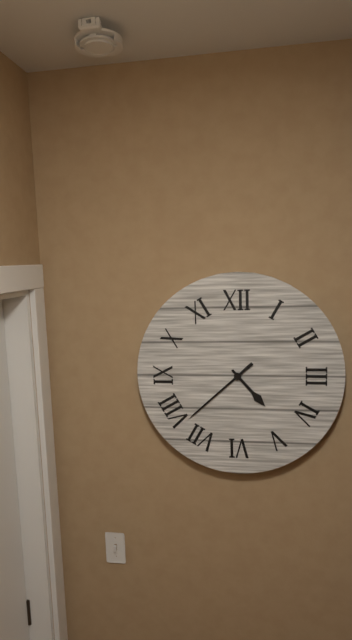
4:38
